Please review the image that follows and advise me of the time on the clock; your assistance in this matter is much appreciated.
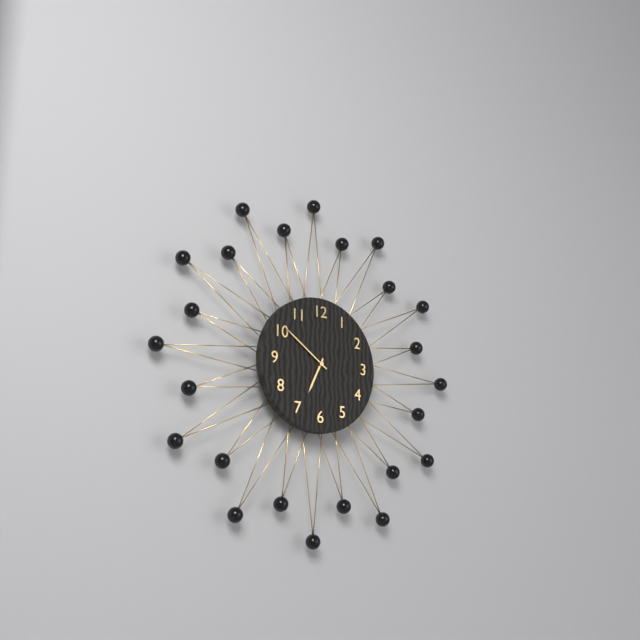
6:51
